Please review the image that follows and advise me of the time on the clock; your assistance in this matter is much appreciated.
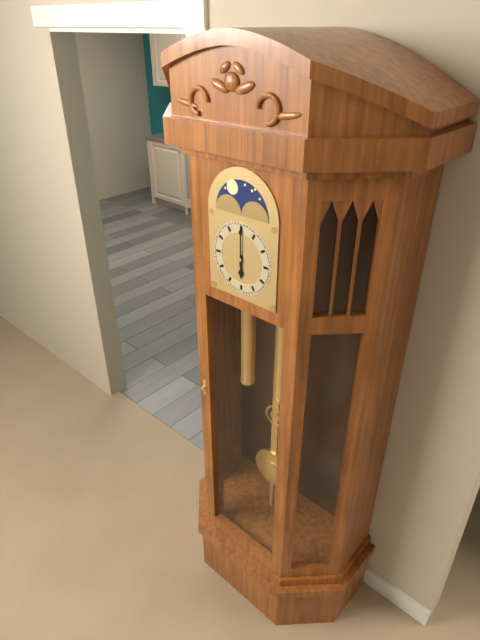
6:00
